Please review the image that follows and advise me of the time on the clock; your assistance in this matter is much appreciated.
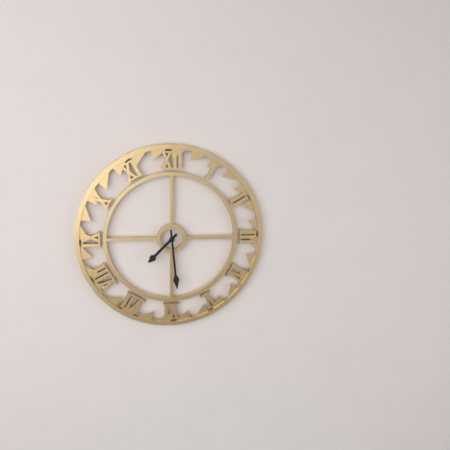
7:29
